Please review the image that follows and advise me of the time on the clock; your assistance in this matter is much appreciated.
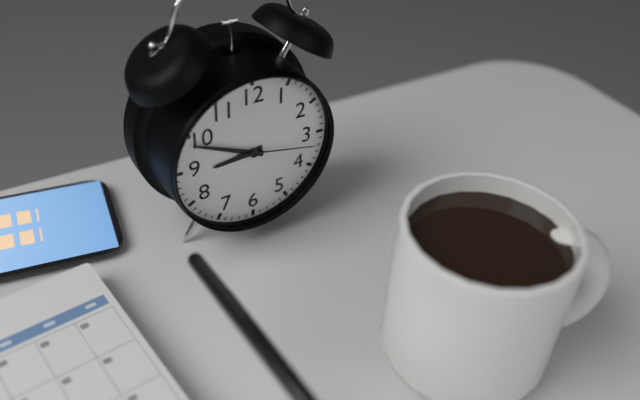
8:49:17
